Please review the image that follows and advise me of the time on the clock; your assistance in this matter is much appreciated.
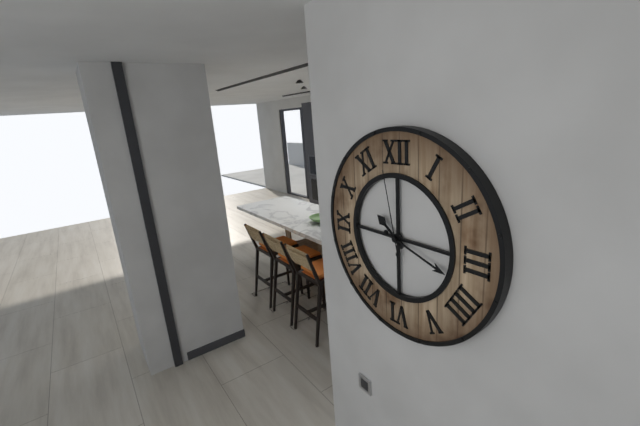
10:18:58
